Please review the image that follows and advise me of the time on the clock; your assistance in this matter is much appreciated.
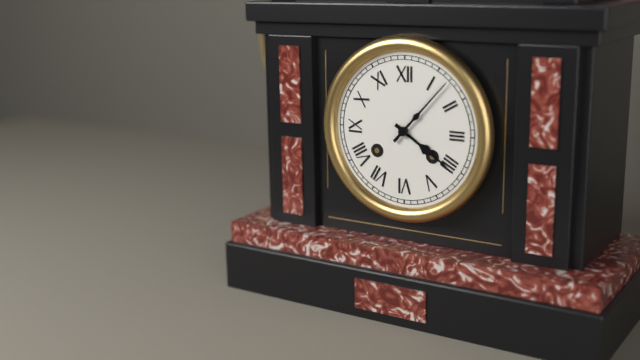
4:07
